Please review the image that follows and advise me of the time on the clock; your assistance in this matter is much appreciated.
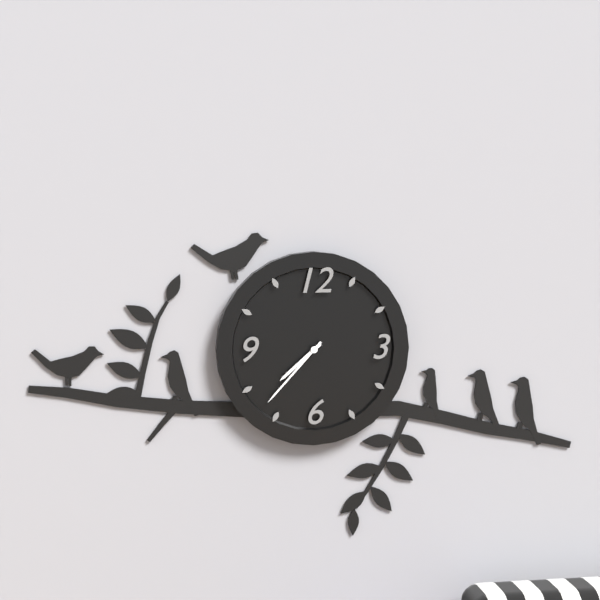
7:37
